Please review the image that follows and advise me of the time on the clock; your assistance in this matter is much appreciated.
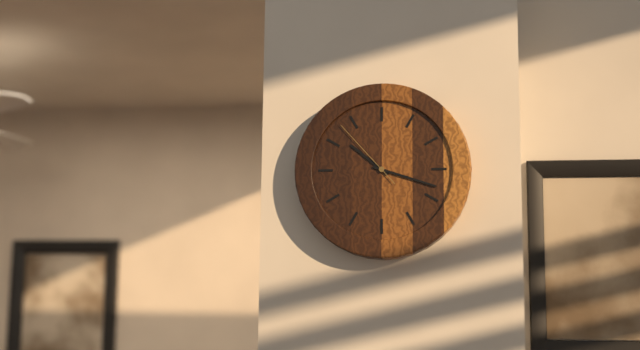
10:18:53
